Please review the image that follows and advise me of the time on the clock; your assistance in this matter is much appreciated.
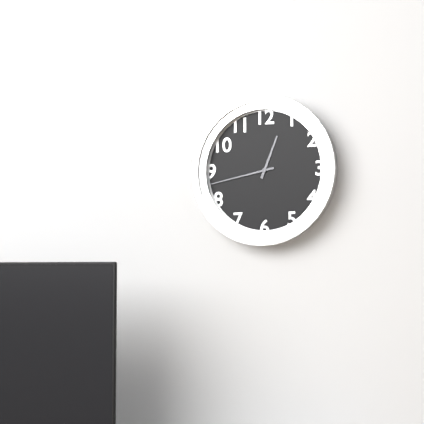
12:43
